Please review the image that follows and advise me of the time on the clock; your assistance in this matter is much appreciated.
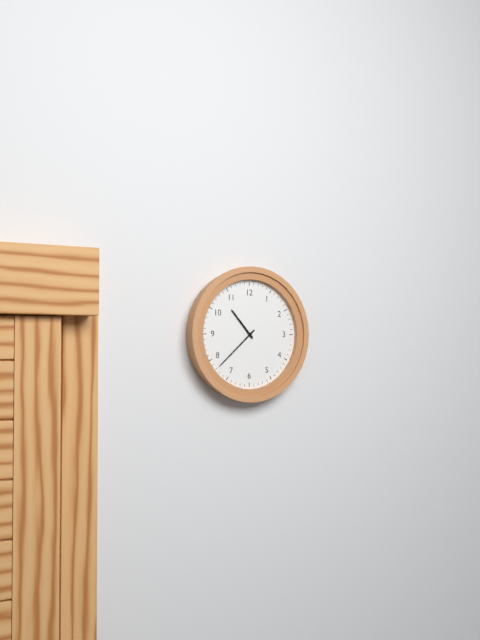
10:38
